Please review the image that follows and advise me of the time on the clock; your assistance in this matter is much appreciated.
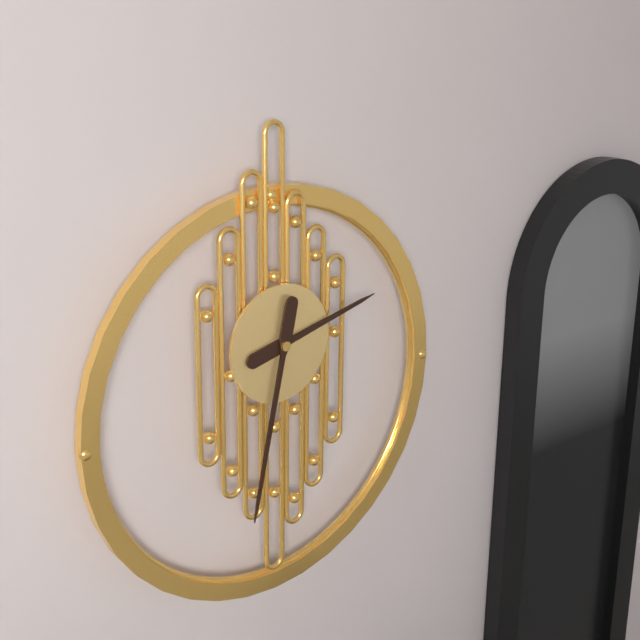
2:32
